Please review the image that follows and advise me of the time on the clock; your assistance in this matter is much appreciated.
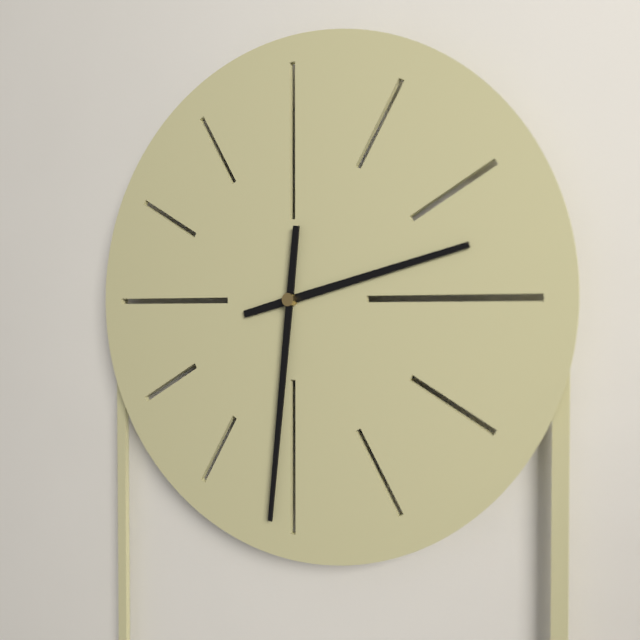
2:31
